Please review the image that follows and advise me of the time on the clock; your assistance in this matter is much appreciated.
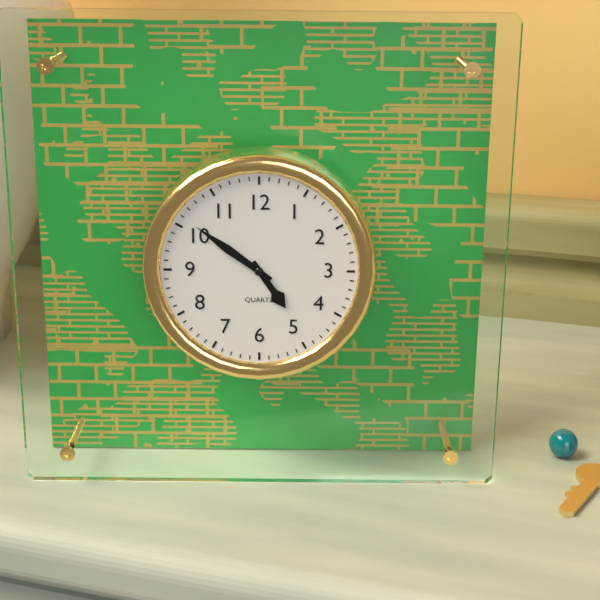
4:51
